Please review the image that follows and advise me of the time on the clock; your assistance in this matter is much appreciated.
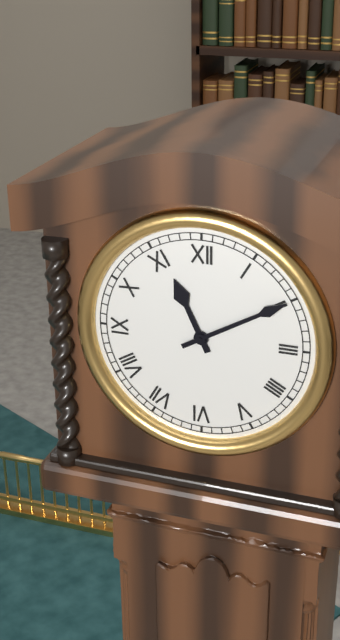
11:10
